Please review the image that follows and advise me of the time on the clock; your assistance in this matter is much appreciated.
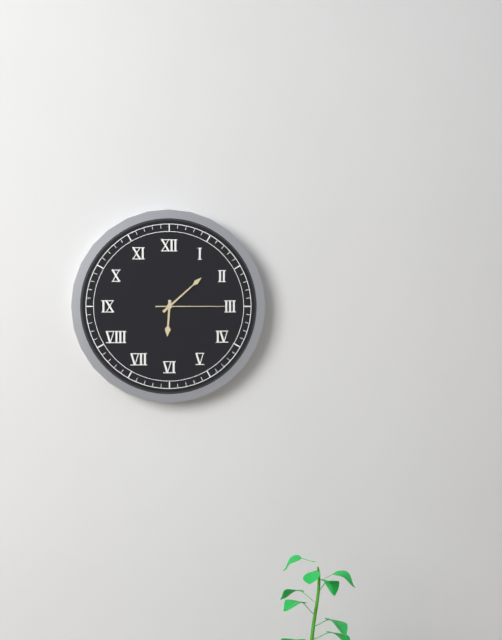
6:08:15
